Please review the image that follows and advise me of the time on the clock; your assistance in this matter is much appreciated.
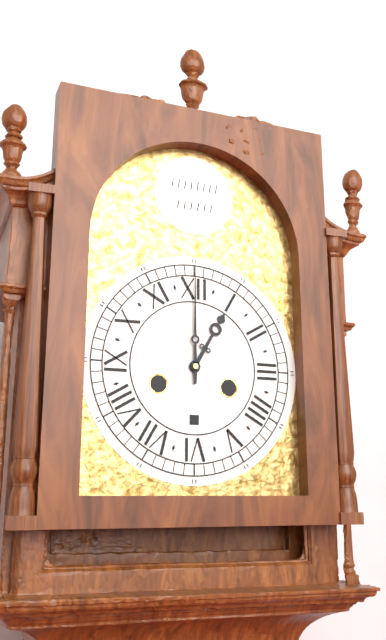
1:00
